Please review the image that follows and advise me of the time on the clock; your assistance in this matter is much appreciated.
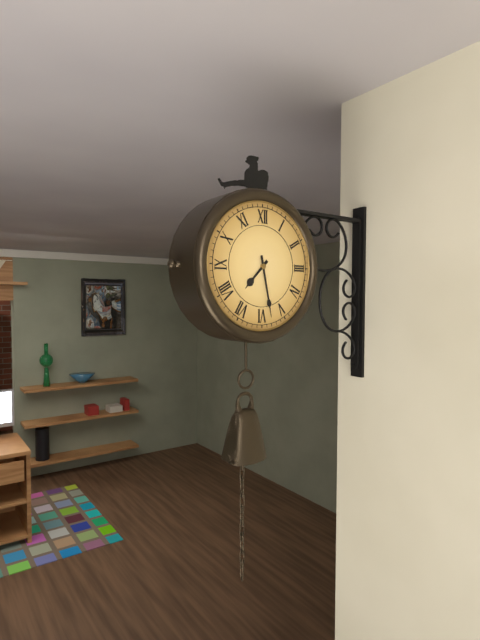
7:28
